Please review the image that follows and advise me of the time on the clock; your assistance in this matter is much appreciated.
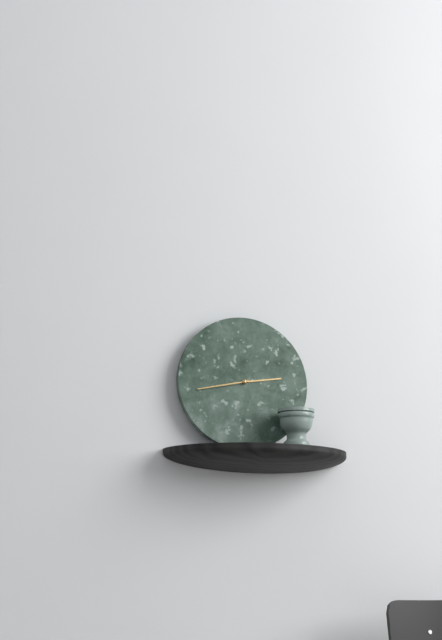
2:43
